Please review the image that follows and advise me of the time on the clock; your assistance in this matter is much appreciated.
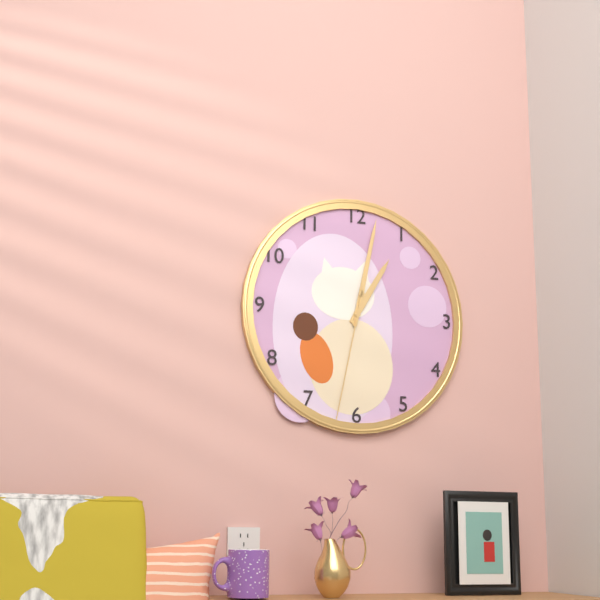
1:02:32
